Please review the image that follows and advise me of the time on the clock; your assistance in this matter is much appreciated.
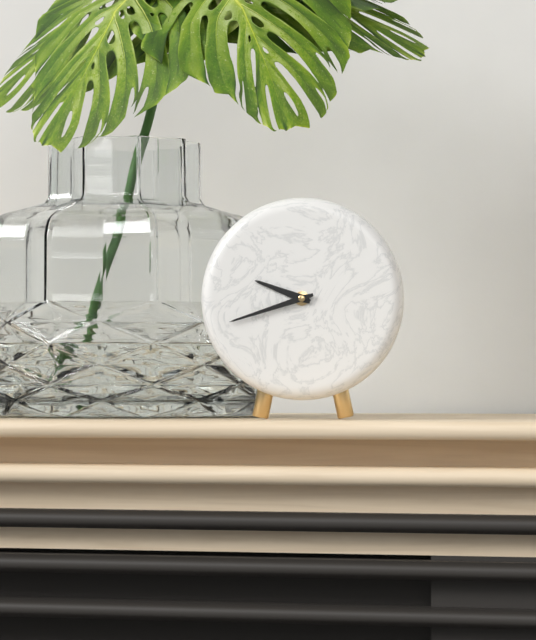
9:42
